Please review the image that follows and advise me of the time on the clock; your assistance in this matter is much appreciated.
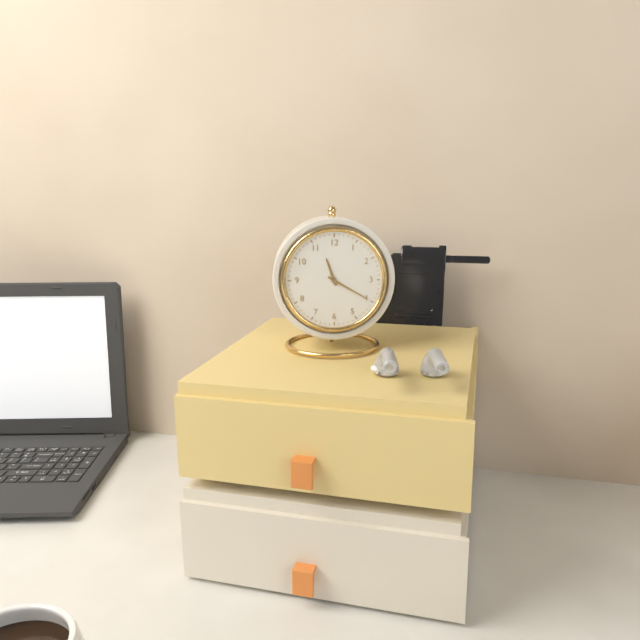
11:20
